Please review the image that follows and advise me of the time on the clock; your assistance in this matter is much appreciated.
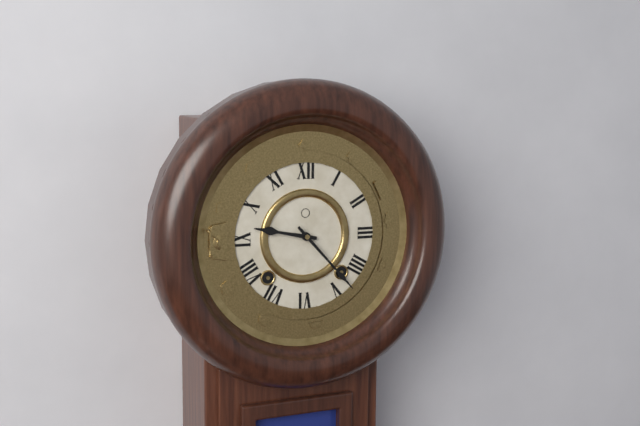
9:23
